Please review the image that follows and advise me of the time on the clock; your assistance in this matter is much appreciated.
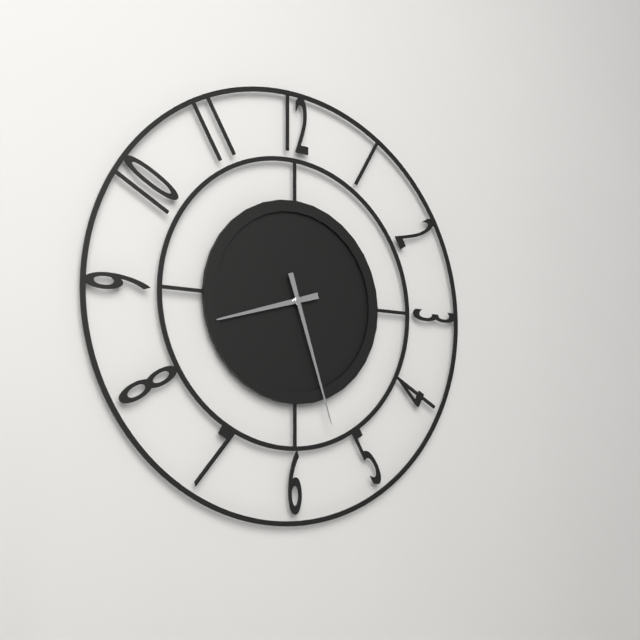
8:27
